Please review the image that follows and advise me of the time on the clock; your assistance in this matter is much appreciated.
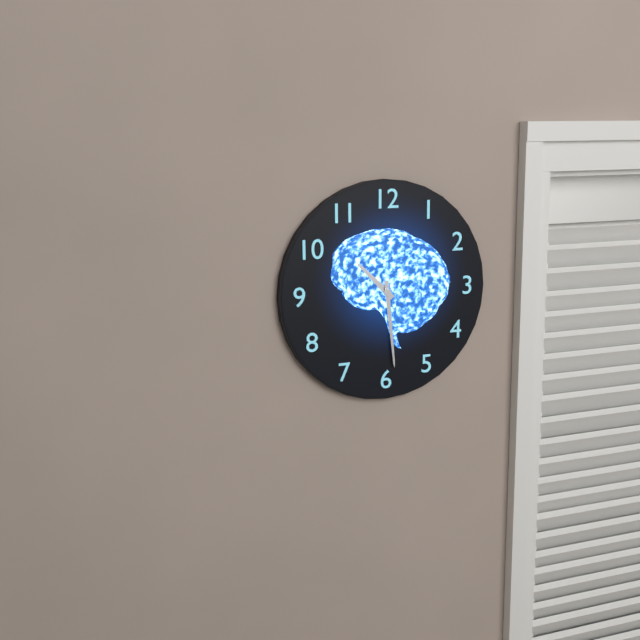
10:29
